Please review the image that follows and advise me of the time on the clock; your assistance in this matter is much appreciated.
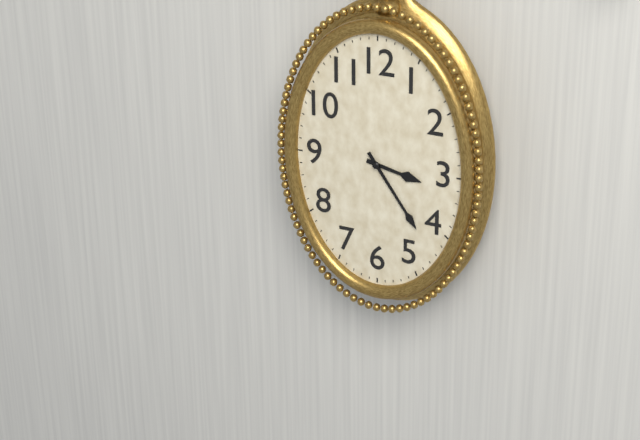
3:24
